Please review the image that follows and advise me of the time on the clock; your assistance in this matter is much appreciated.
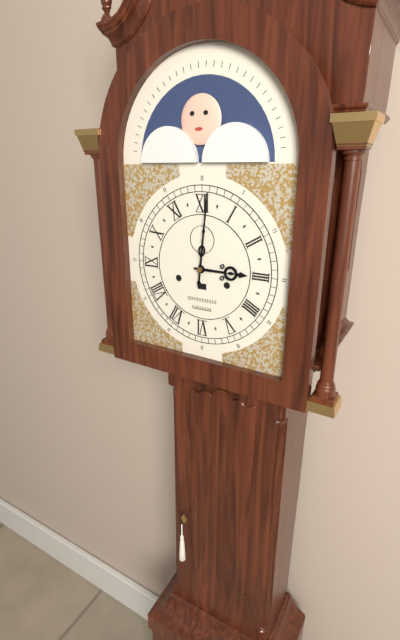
3:01
